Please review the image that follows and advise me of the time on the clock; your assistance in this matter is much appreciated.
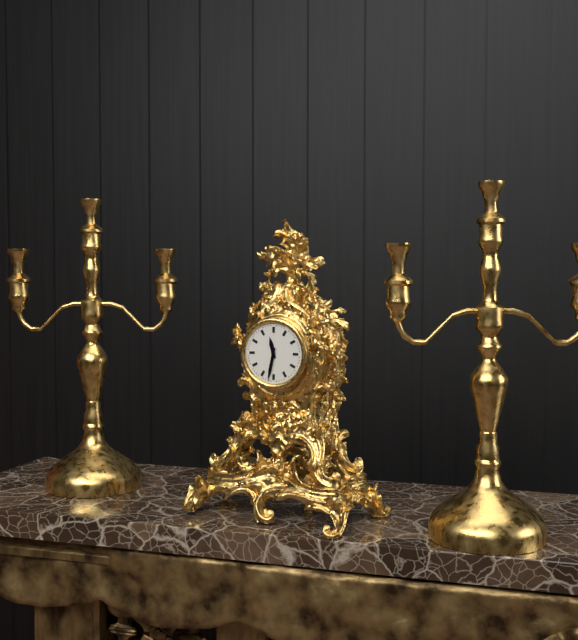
11:32
